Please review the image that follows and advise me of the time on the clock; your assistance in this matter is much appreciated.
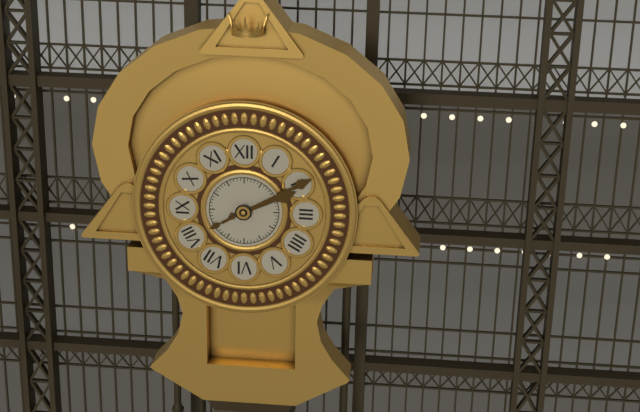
2:10
